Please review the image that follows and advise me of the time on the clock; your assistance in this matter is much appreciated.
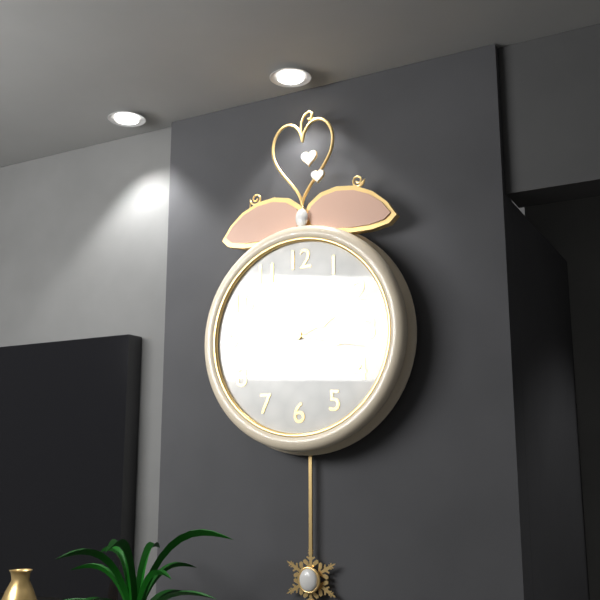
2:17:17
